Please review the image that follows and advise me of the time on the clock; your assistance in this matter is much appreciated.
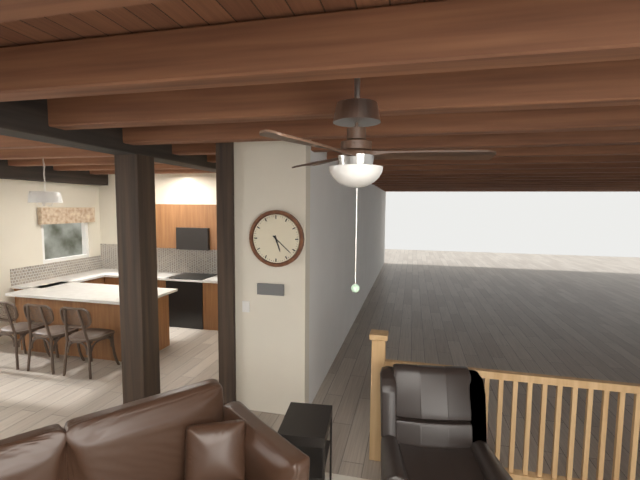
5:22
